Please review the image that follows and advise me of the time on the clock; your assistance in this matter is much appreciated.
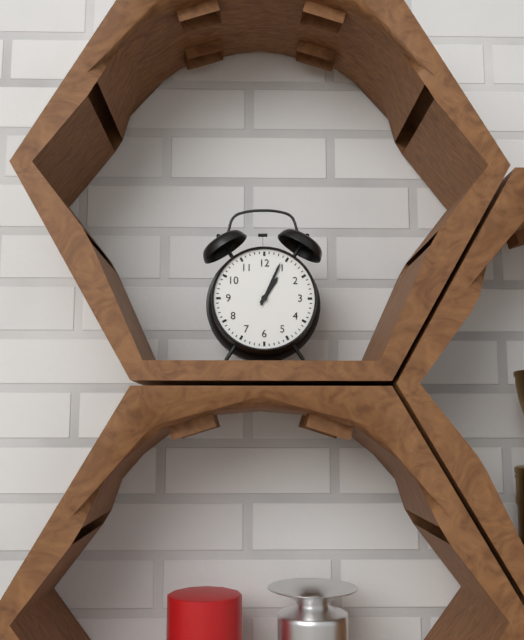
1:04
